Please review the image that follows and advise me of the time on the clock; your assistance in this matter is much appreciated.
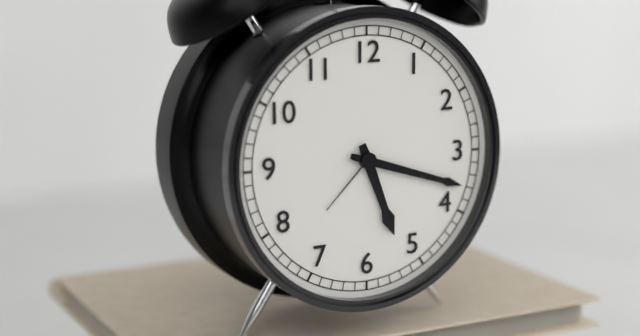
5:18
